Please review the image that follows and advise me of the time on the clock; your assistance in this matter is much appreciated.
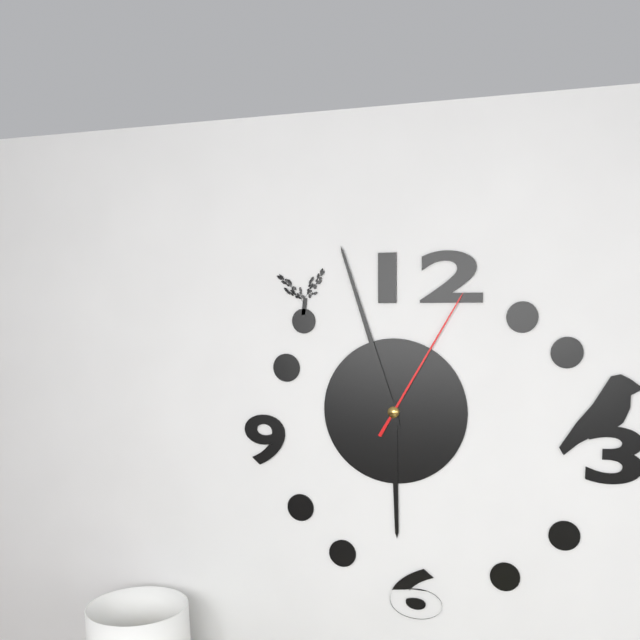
5:57:05
